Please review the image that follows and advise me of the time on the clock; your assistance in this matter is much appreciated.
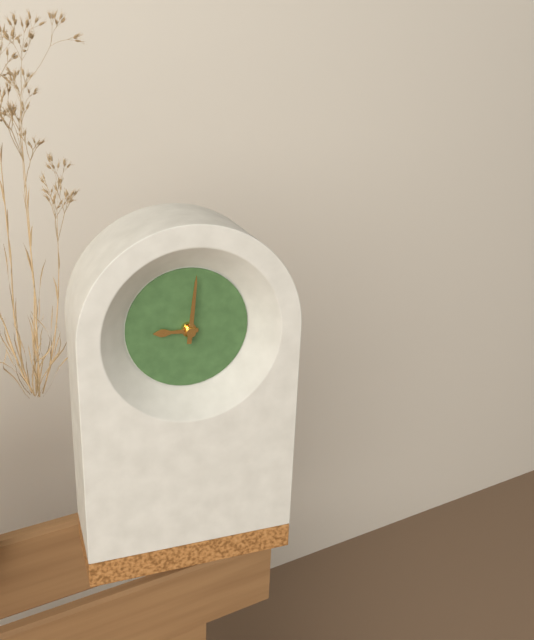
9:01
